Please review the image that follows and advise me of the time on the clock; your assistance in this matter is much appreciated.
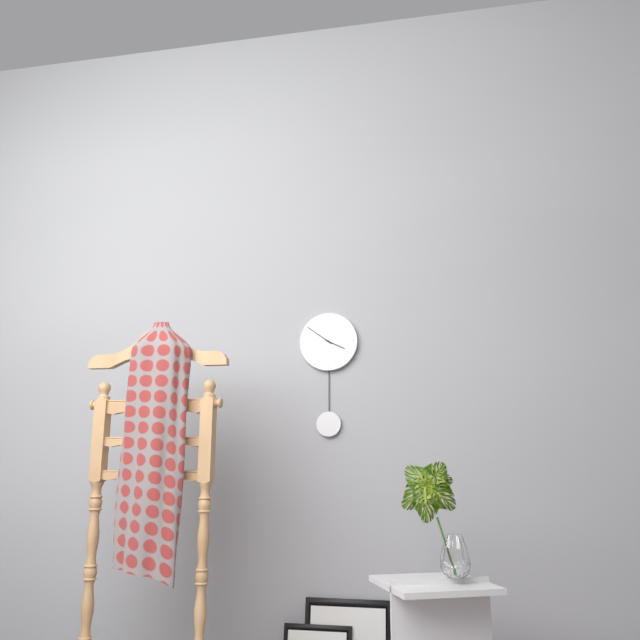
3:51
